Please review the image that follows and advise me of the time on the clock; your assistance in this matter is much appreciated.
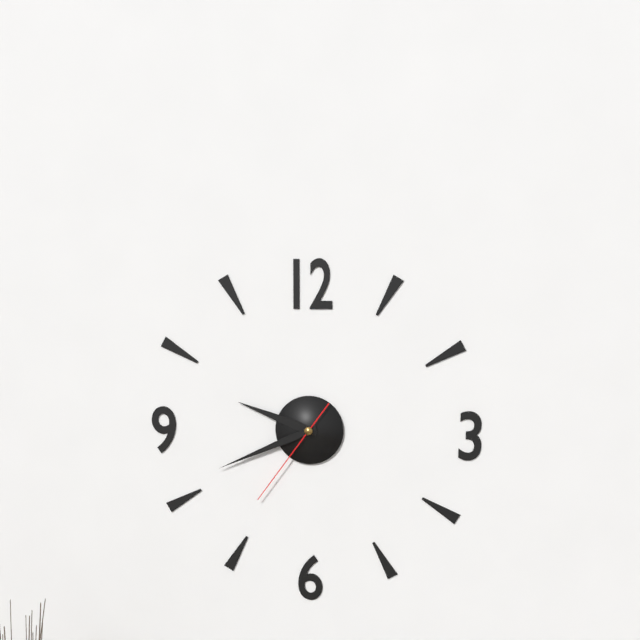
9:41:36
